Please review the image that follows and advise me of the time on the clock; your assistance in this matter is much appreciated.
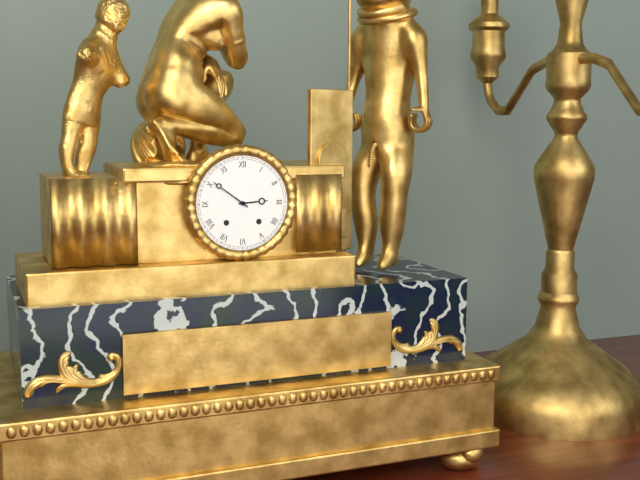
2:51
